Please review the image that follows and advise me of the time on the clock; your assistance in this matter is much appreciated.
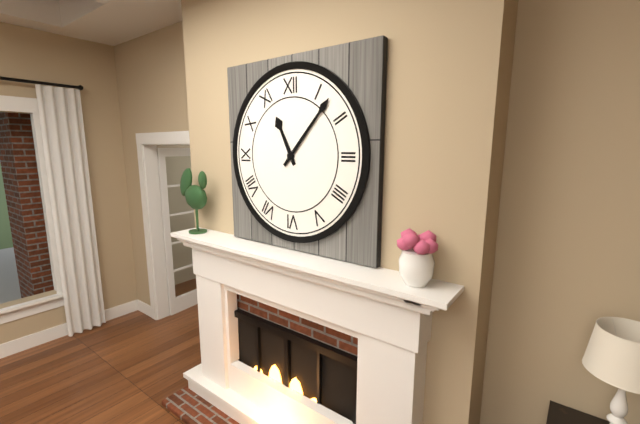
11:07
